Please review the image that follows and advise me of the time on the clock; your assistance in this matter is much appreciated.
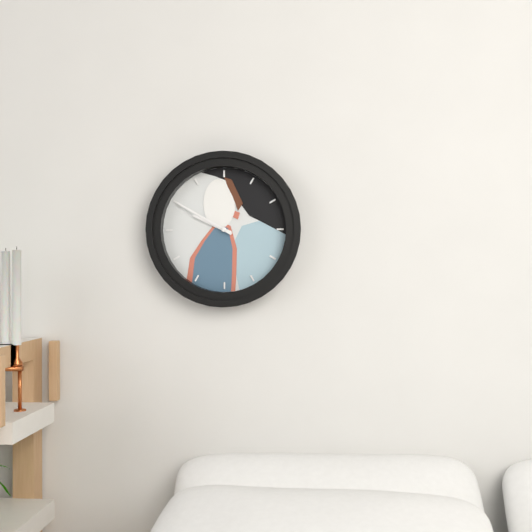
9:50
